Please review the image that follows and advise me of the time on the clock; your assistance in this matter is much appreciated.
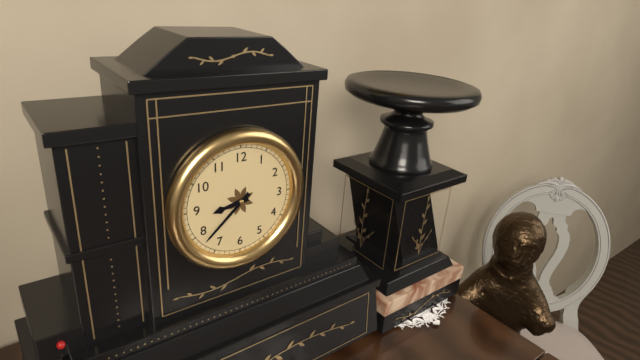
8:38
